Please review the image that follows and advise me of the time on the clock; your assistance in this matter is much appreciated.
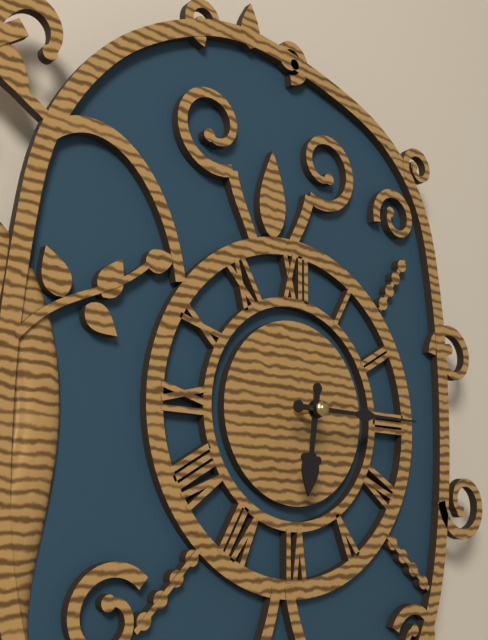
6:15
